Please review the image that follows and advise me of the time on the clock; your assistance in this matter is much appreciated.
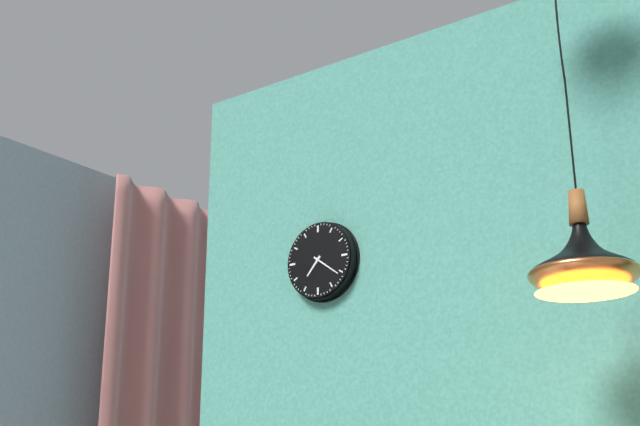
7:21
